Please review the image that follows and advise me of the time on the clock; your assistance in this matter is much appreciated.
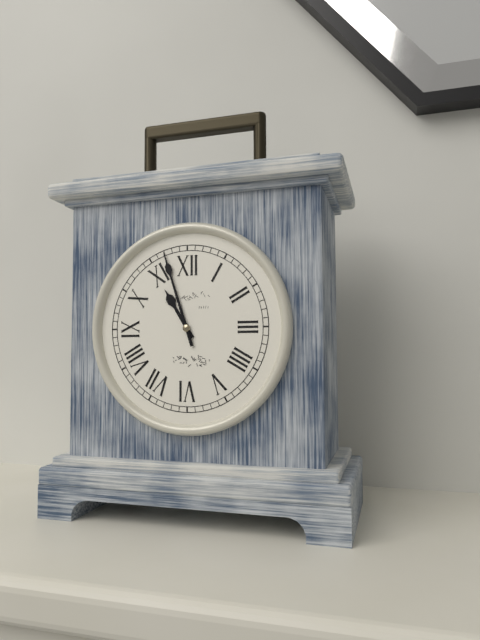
10:57
